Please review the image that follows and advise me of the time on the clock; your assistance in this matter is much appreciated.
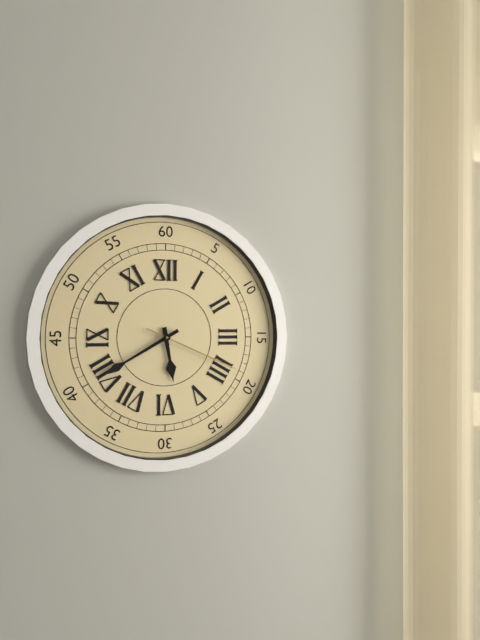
5:40:19
